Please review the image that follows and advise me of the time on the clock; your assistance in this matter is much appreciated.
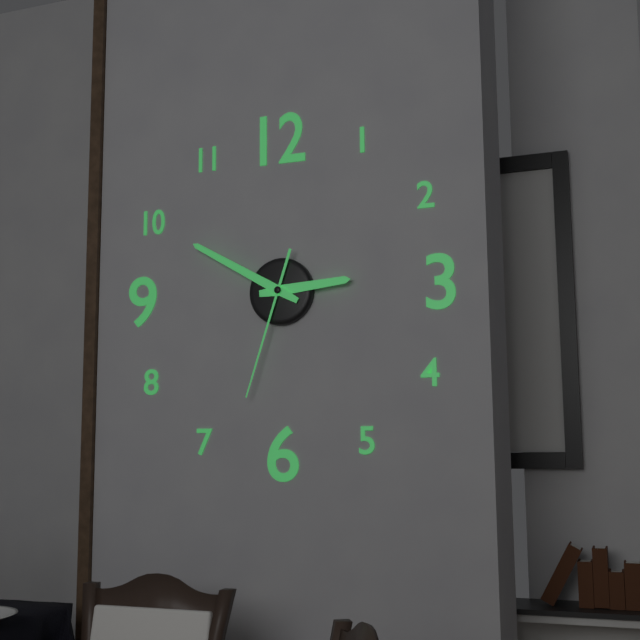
2:50:33
